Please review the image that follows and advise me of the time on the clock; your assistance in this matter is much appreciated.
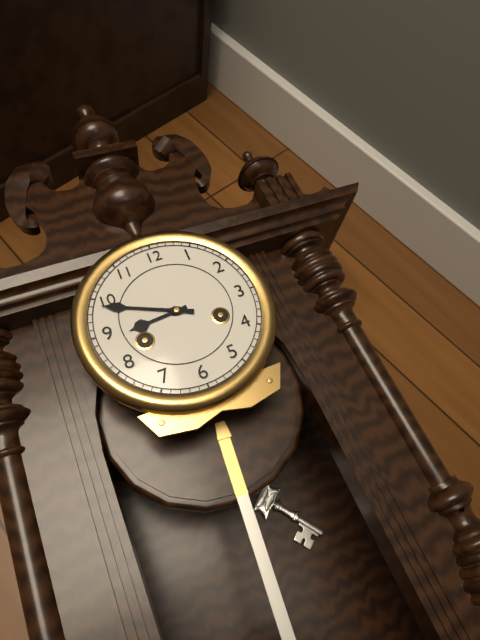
8:49
